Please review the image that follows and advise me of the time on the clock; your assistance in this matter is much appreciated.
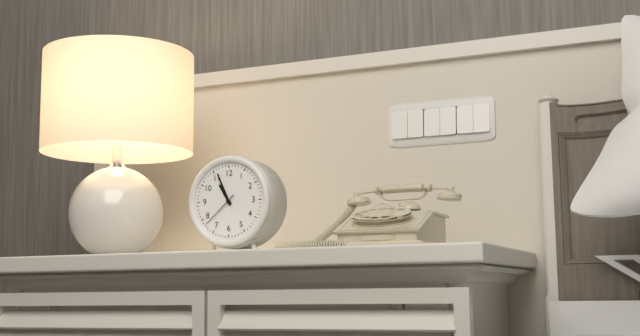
10:56
